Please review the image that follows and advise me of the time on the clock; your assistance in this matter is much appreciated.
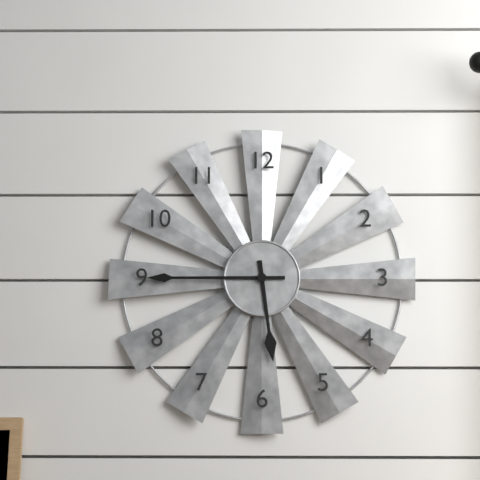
5:45
